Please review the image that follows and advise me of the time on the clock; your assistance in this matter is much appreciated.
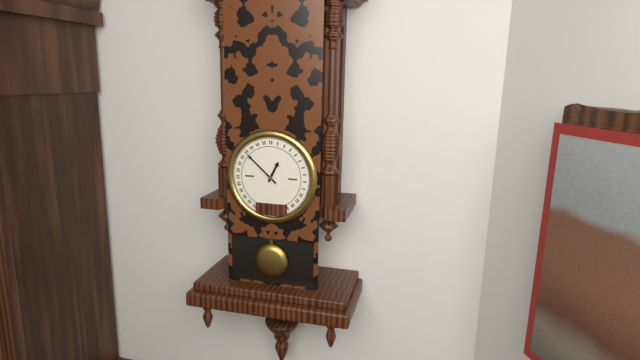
12:52
